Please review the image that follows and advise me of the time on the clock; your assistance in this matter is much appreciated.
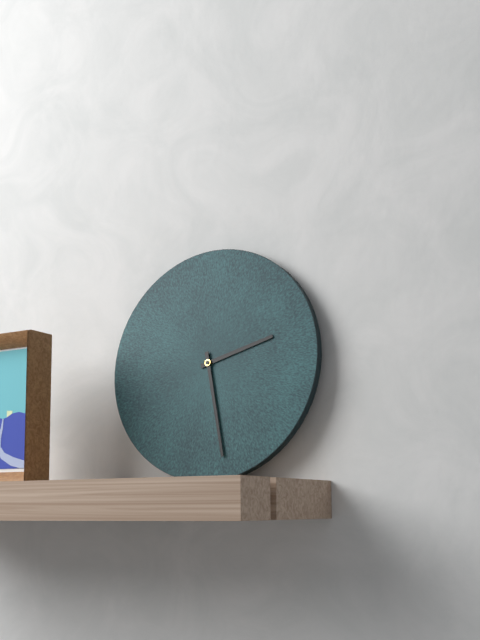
2:28
